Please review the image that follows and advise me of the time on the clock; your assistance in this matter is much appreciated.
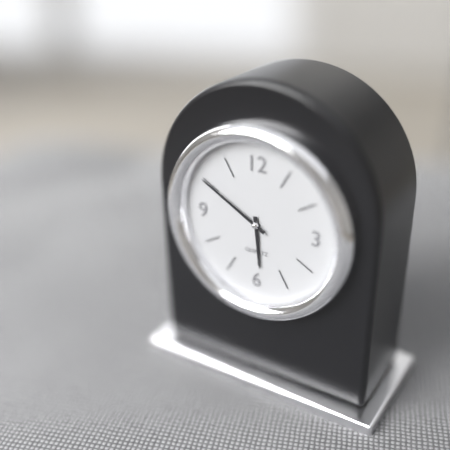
5:50
